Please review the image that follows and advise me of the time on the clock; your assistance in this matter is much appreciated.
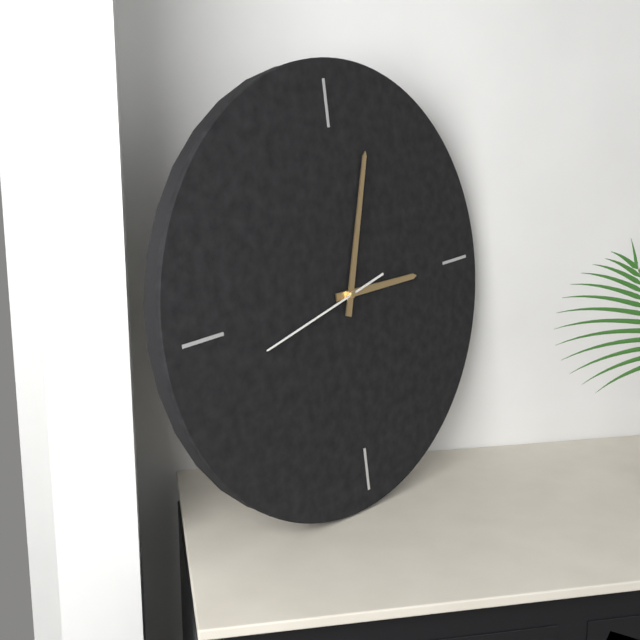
3:03:43
